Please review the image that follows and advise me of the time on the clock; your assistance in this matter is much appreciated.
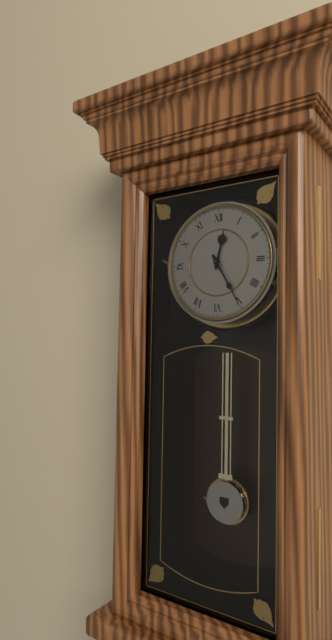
12:25
